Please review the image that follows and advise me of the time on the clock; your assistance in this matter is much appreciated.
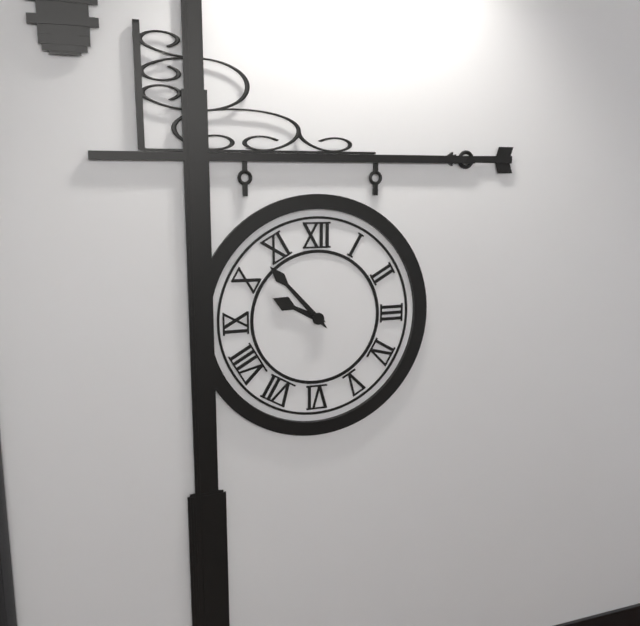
9:53
